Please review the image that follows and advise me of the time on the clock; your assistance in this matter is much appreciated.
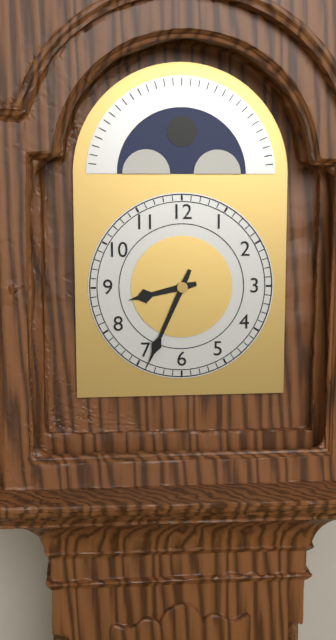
8:34
